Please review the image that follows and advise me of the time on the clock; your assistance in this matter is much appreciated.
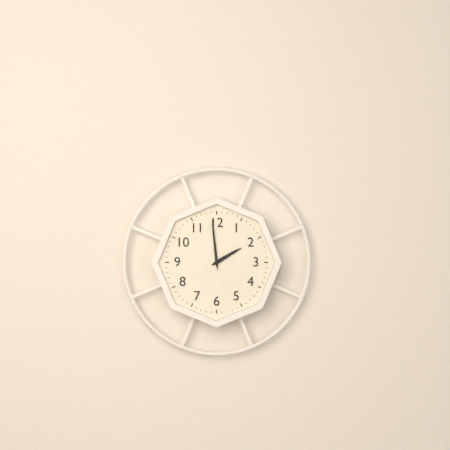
1:59
